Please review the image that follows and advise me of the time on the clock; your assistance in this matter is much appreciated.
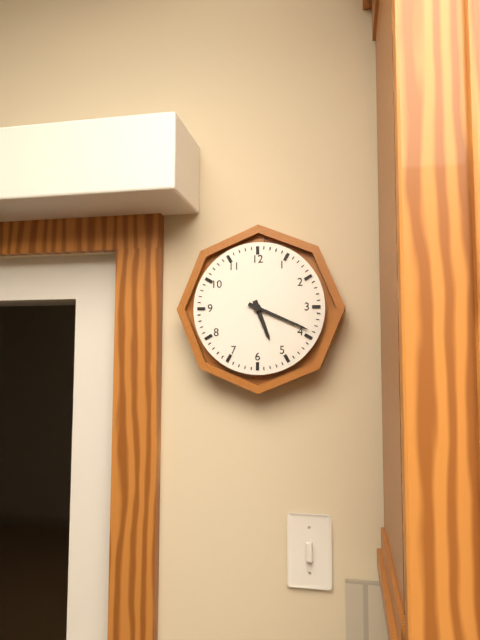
5:19
